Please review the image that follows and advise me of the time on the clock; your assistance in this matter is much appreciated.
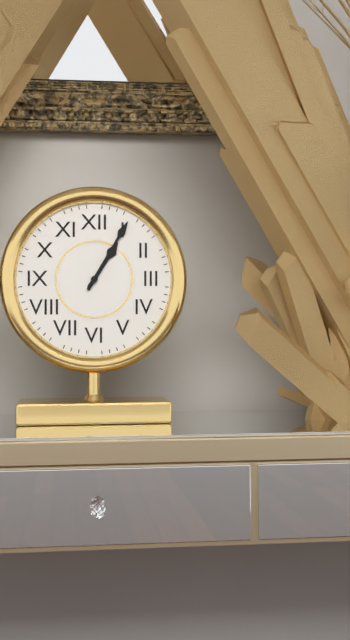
1:05
